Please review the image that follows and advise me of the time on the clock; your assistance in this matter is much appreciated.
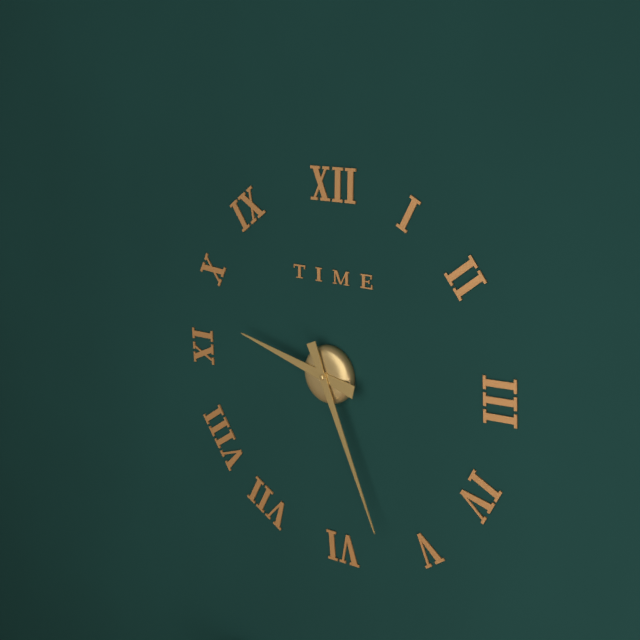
9:26
